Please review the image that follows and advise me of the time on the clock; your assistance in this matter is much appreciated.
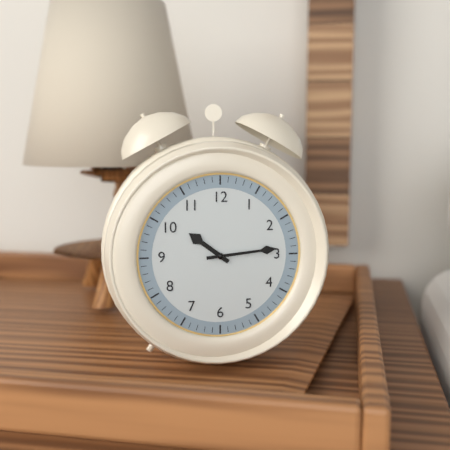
10:14
